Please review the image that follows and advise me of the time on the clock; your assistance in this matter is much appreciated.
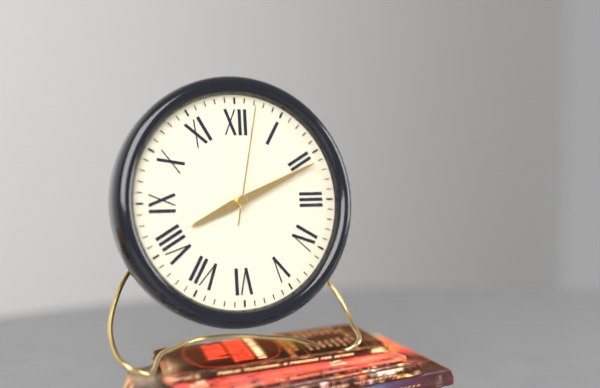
8:11:02
